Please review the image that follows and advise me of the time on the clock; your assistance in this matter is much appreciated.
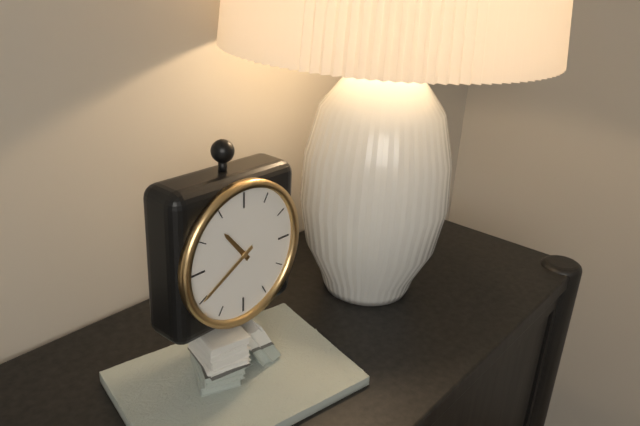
10:40
